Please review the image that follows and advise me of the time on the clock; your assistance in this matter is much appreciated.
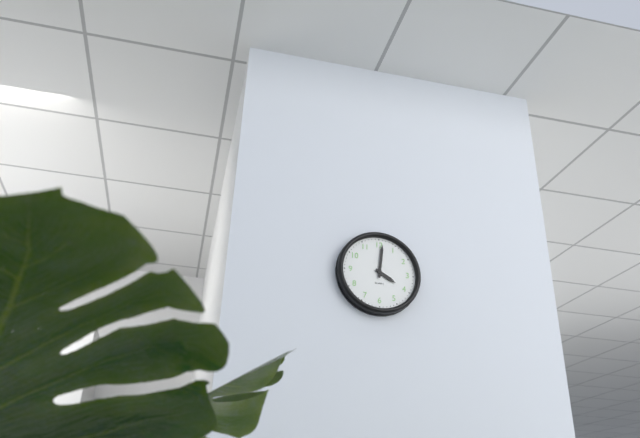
4:01
